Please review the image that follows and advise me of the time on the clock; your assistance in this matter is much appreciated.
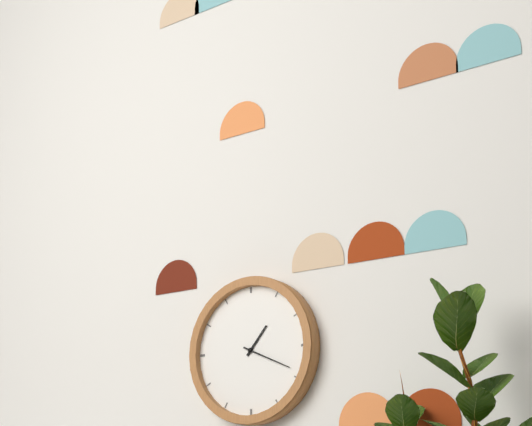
1:19
